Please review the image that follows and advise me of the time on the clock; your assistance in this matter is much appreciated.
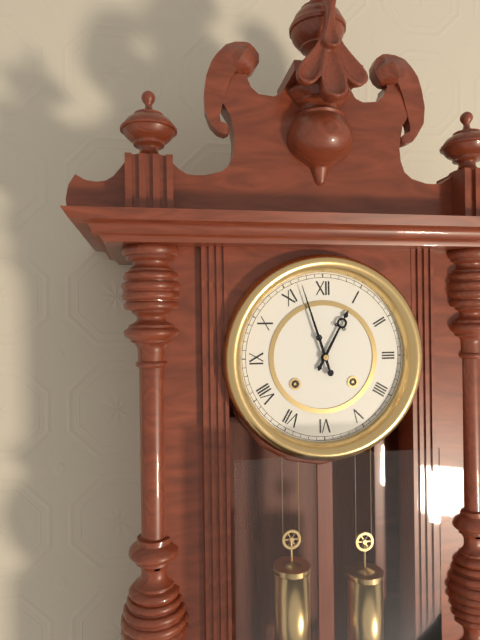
12:57
